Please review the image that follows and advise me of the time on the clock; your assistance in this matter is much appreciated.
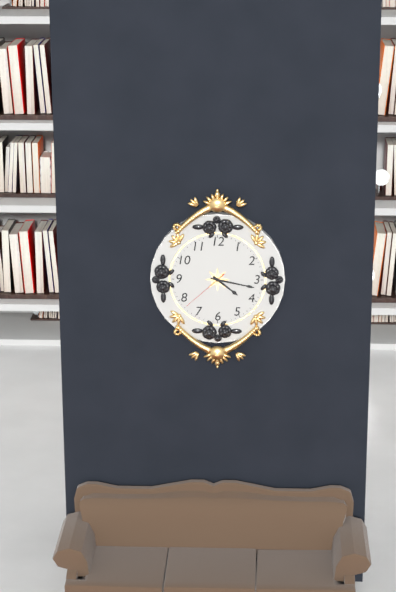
4:17:38
